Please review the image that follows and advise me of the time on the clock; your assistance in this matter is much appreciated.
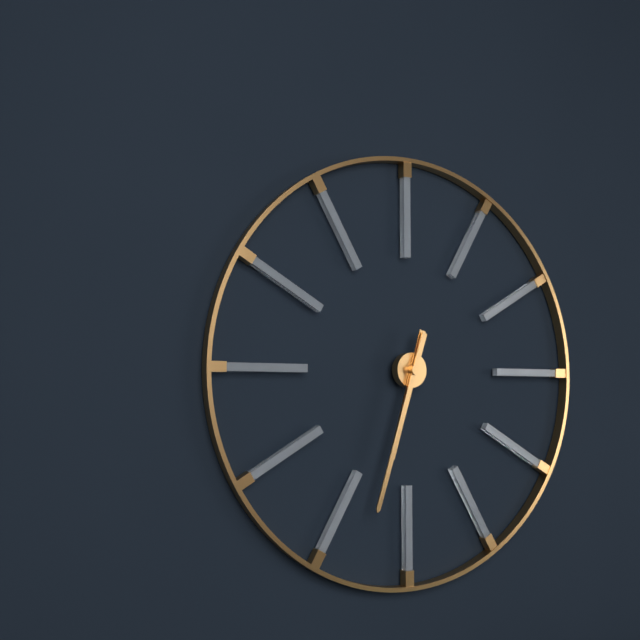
6:33
